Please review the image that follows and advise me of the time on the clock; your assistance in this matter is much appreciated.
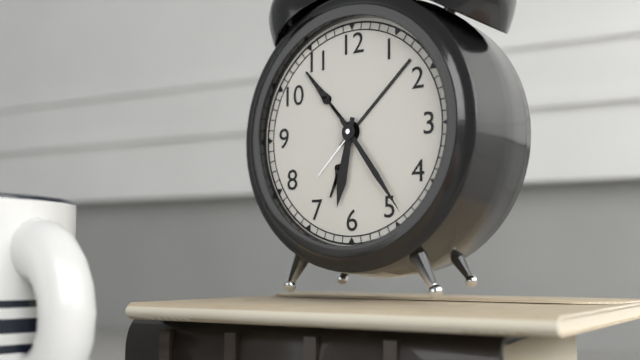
6:24
